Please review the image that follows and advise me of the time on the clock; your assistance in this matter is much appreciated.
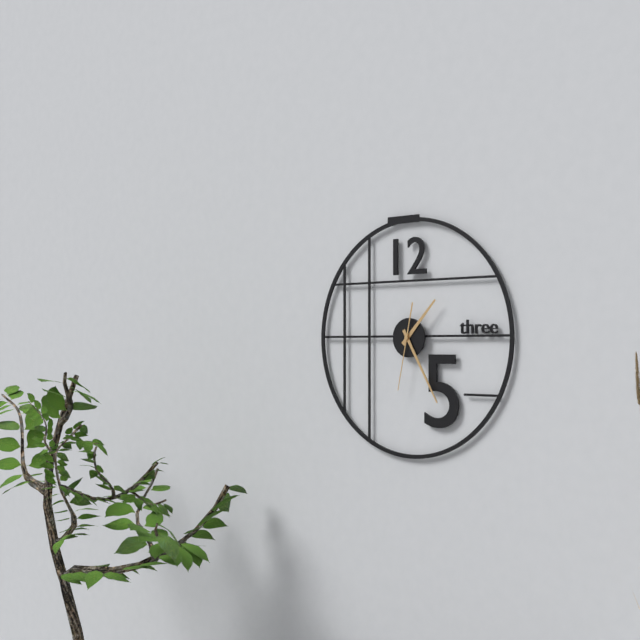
1:25:32
